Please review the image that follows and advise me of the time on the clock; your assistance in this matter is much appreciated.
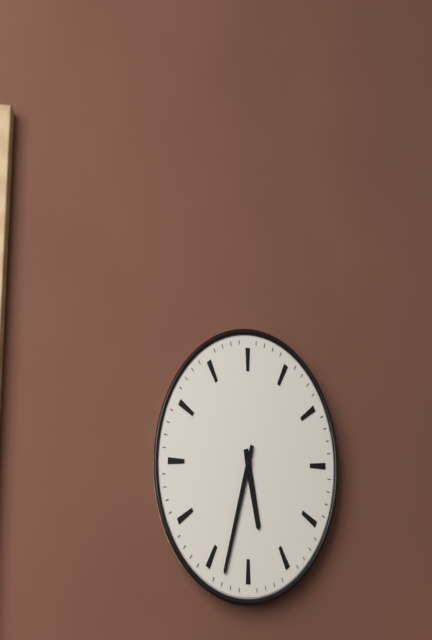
5:33
